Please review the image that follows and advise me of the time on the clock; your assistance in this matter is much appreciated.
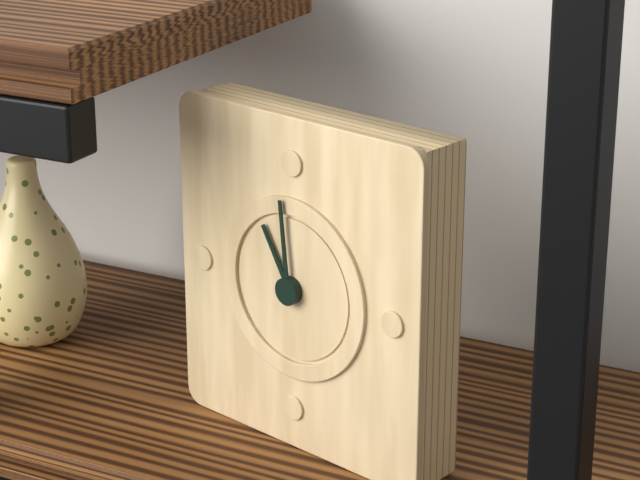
10:59
